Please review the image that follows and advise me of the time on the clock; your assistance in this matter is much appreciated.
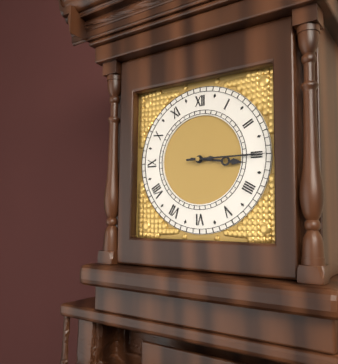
3:15
